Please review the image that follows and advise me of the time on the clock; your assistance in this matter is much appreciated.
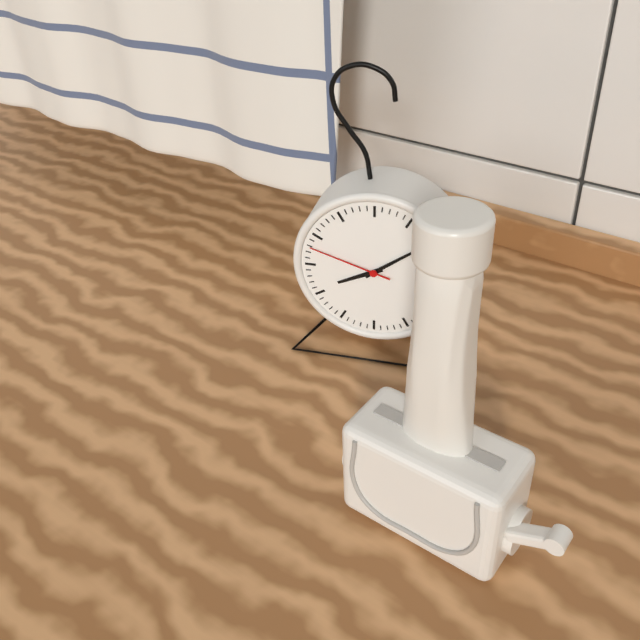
8:09:48
